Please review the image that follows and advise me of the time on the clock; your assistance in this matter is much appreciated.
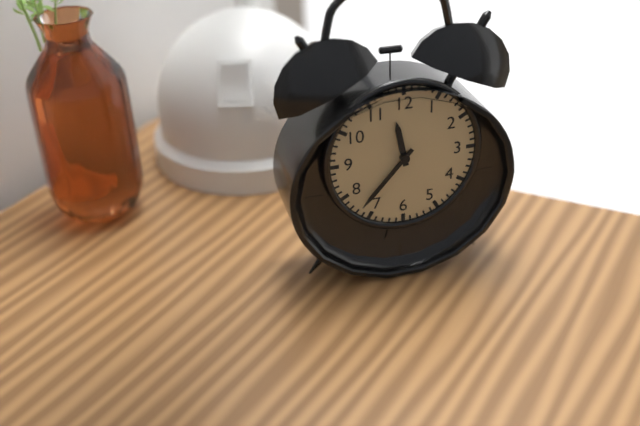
11:37
